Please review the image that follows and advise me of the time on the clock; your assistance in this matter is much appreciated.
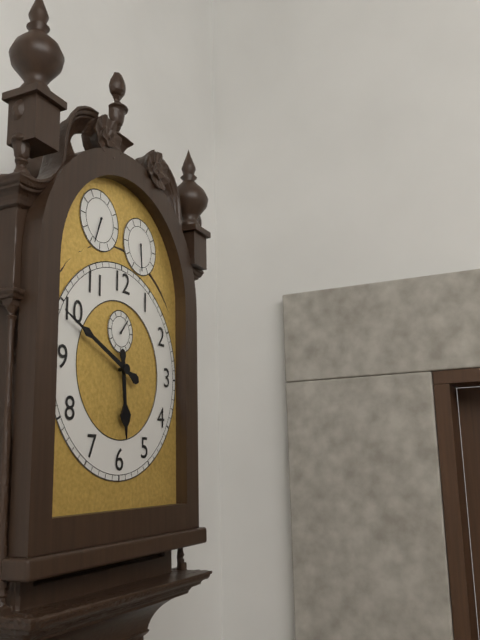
5:49
